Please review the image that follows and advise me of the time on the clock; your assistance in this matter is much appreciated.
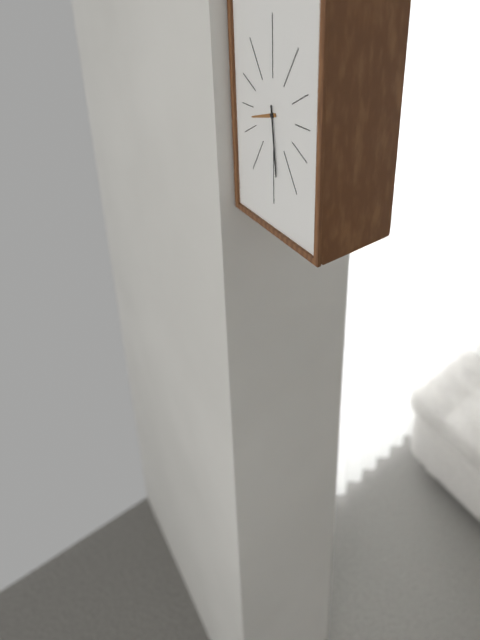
8:29
